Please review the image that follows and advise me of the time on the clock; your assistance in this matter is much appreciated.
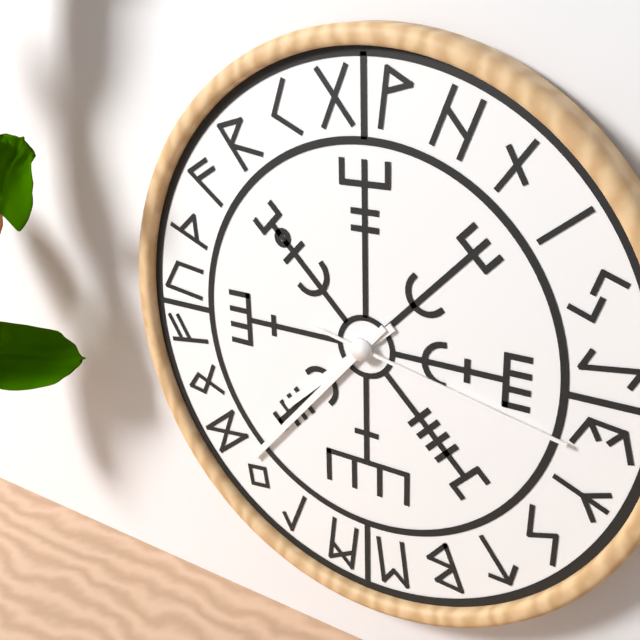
7:37:17
